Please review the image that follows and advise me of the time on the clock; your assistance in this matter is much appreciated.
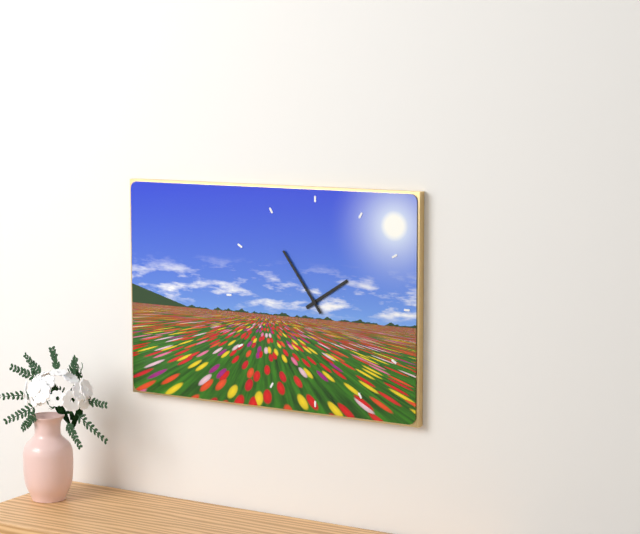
1:54
